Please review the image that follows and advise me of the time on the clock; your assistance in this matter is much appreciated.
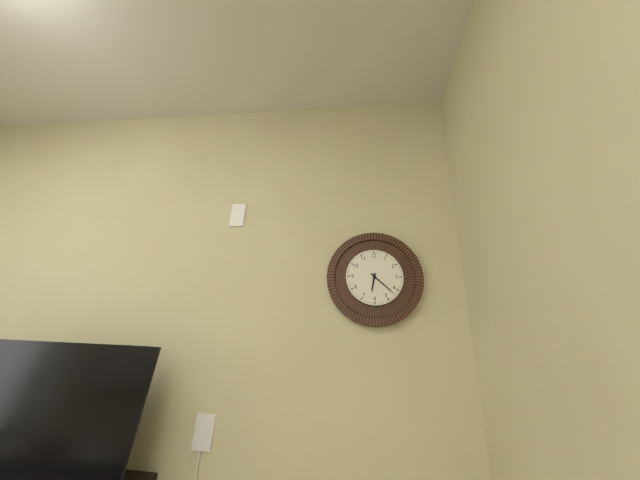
6:22
